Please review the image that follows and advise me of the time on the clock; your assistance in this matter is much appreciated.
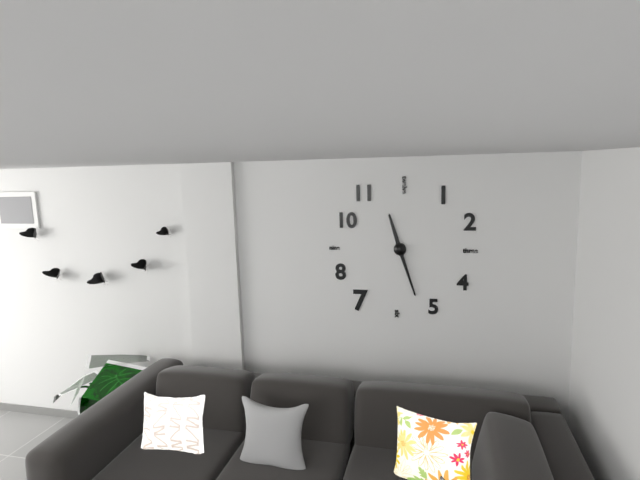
11:27
